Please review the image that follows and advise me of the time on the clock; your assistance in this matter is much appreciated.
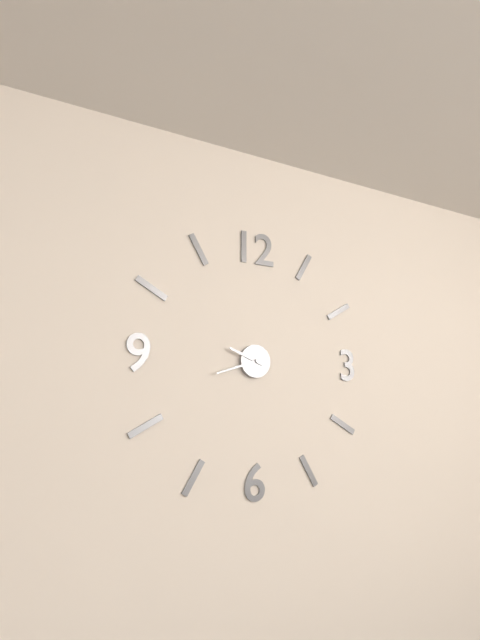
9:42
